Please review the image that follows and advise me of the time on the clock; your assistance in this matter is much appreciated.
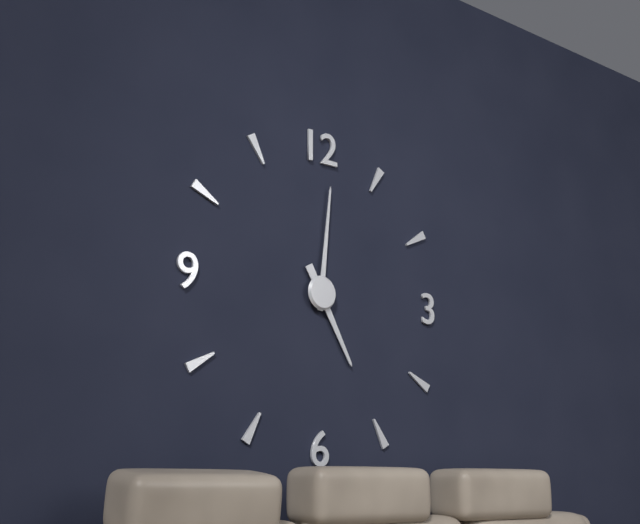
5:01
